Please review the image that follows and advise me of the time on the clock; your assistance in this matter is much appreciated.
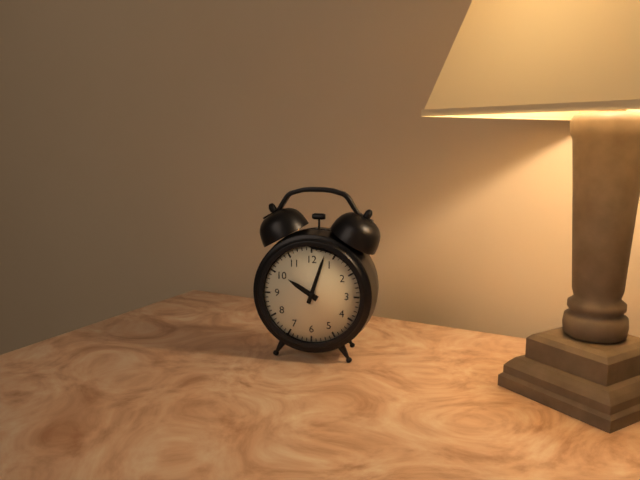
10:03
